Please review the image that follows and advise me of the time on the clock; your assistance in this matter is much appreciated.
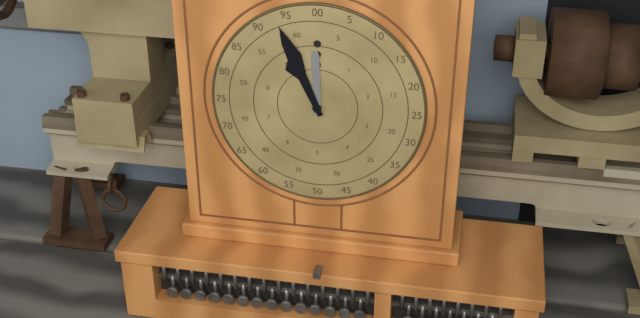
11:56
